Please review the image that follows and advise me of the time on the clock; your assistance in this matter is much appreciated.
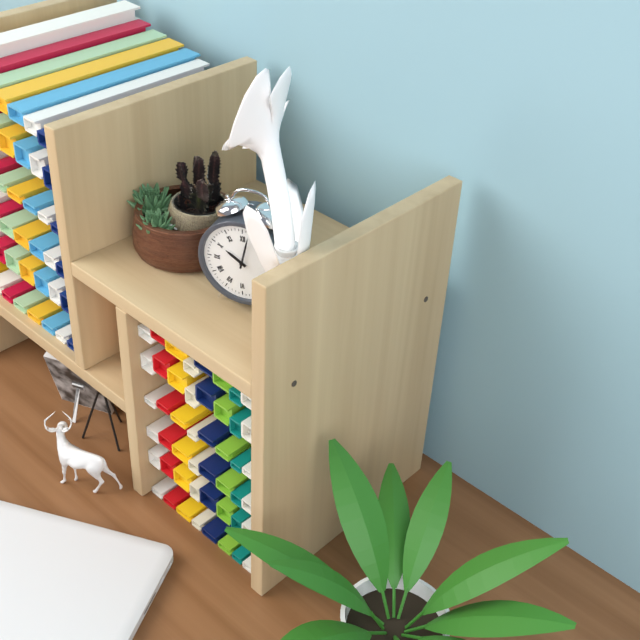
10:02
